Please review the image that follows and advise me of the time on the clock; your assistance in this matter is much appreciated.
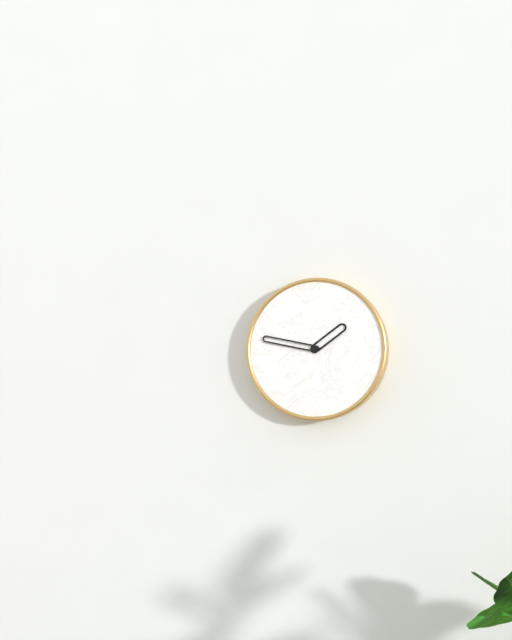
1:47
